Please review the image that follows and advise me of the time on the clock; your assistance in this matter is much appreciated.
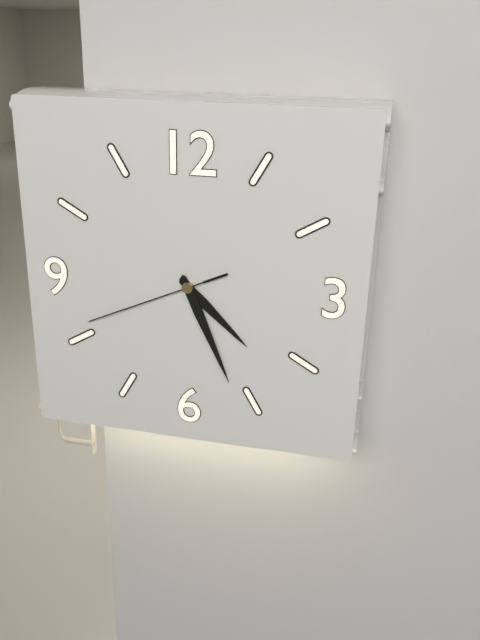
4:26:41
